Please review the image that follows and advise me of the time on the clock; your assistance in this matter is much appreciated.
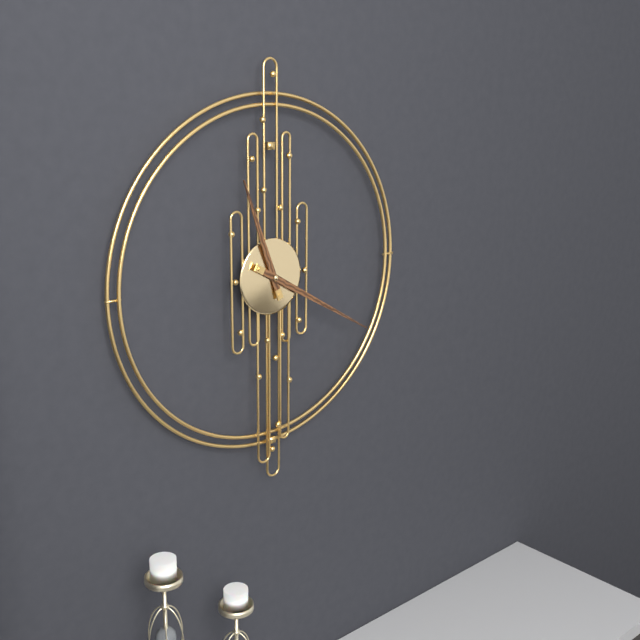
11:20
